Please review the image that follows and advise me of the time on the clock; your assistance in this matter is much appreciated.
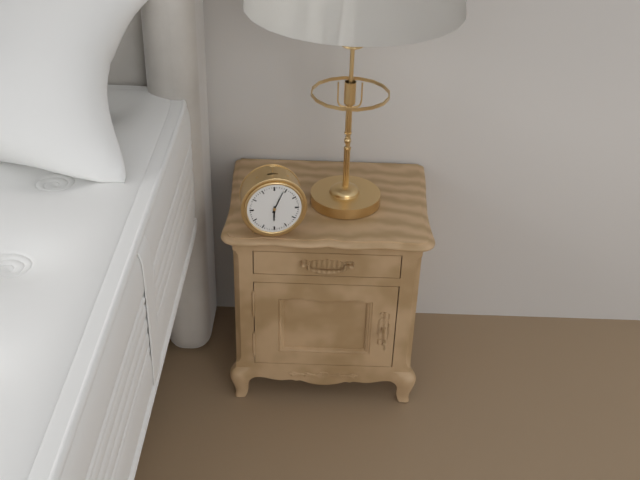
6:04
